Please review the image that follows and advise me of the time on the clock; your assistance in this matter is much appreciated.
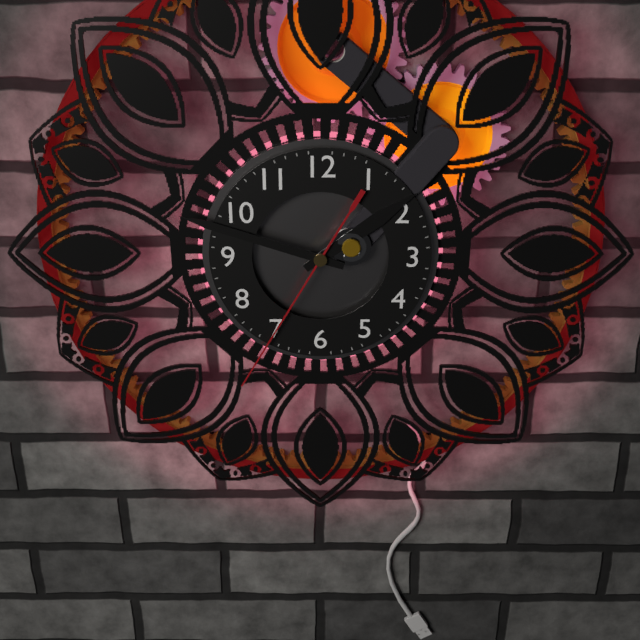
1:48:35
